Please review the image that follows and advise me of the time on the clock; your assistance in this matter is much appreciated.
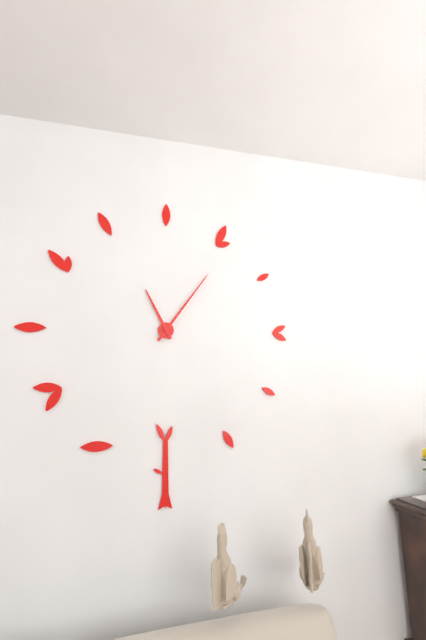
11:06
